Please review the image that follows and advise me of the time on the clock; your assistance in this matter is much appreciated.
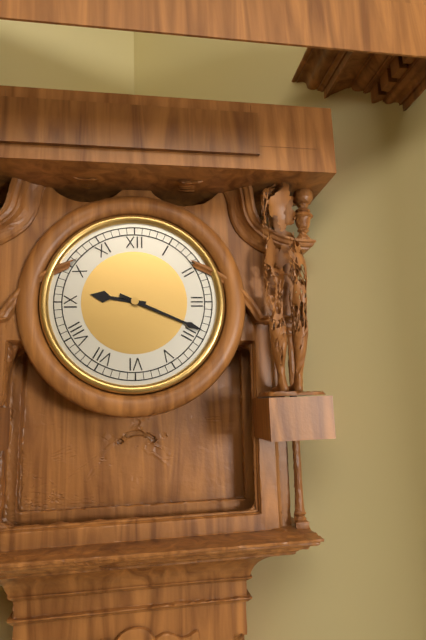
9:19
